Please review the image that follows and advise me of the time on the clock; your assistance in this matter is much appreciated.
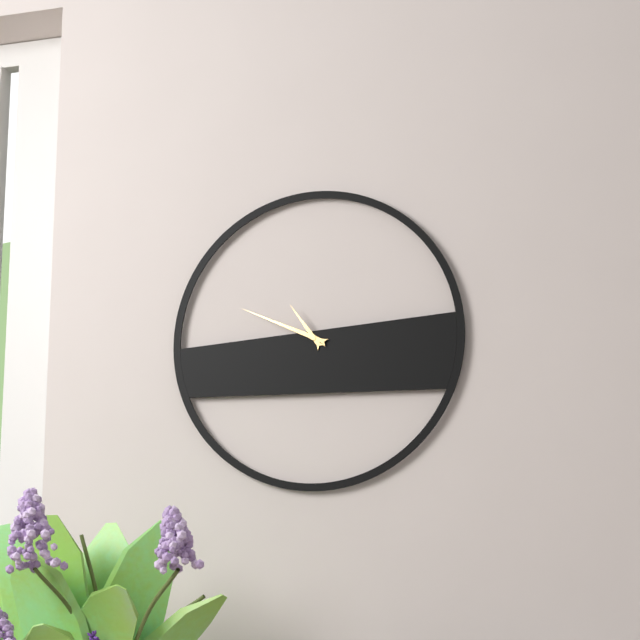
10:49
